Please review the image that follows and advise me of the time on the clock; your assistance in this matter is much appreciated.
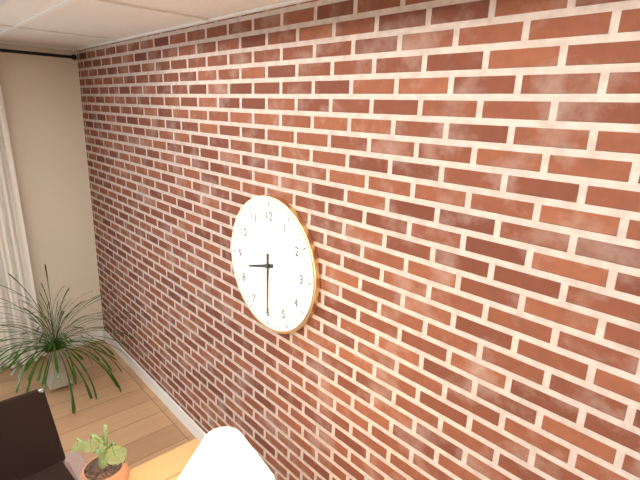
8:30
